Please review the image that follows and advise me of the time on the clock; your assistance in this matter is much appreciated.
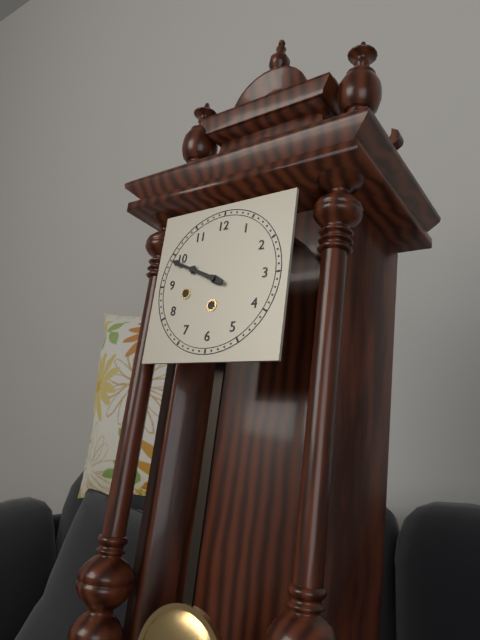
9:49
